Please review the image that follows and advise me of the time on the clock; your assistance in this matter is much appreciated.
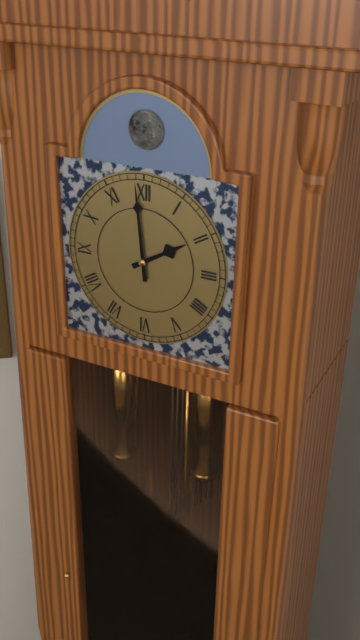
1:59
